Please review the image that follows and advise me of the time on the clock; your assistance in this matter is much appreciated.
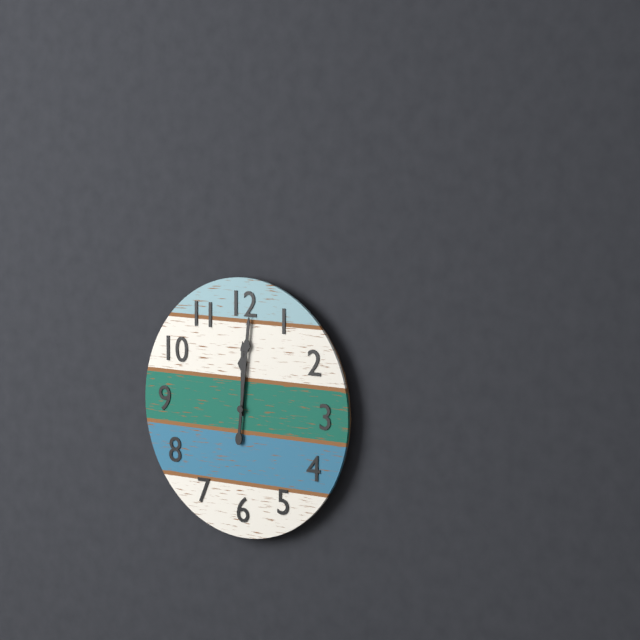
12:01
